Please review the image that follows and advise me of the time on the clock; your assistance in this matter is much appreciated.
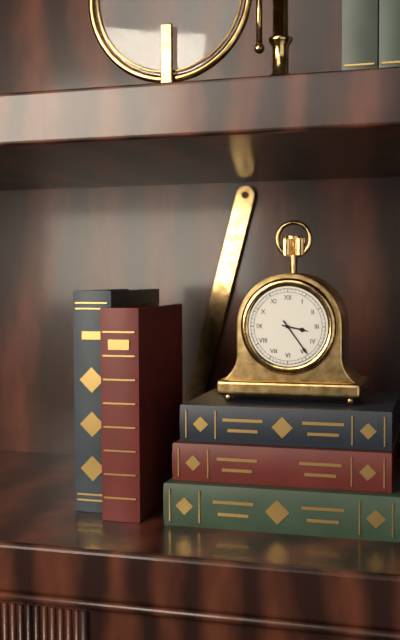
3:24
